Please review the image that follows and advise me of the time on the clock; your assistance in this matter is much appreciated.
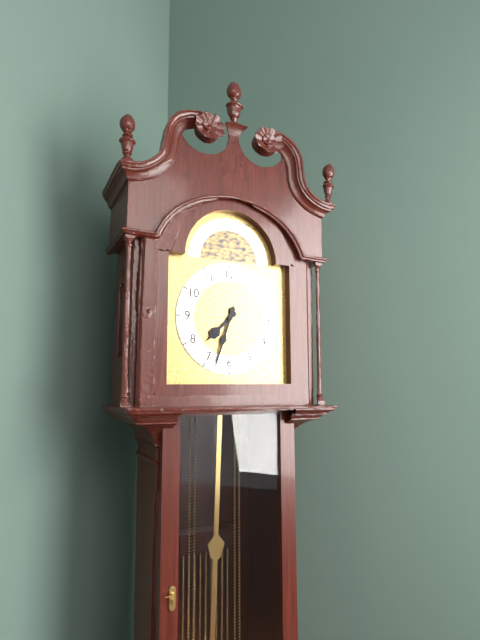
7:33
